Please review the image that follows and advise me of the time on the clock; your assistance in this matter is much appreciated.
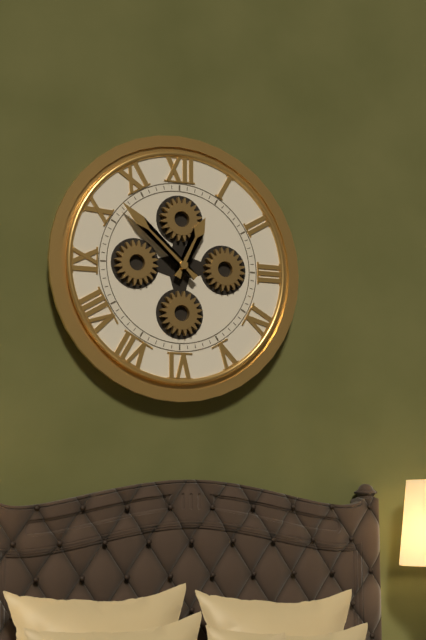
12:52
